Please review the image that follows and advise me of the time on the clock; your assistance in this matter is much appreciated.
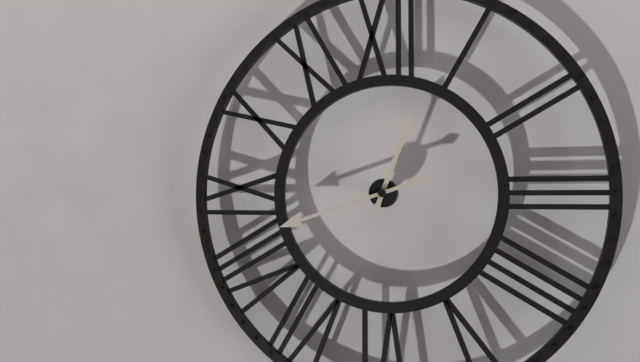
12:42
